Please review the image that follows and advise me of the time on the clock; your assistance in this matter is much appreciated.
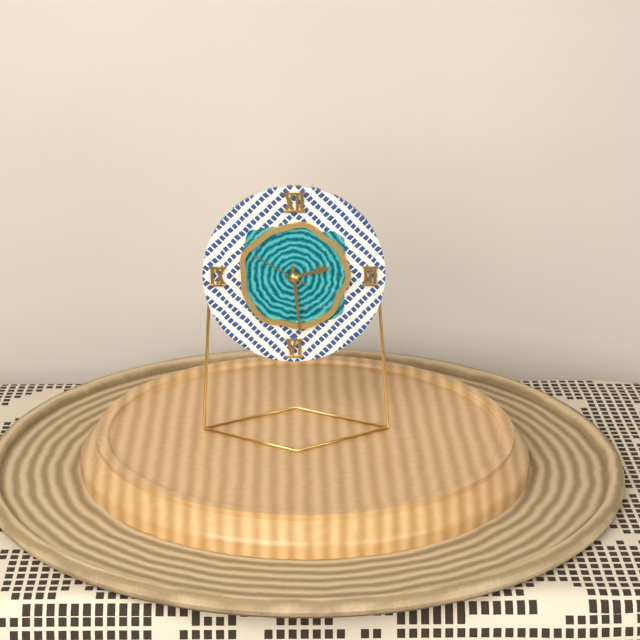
2:29:50
